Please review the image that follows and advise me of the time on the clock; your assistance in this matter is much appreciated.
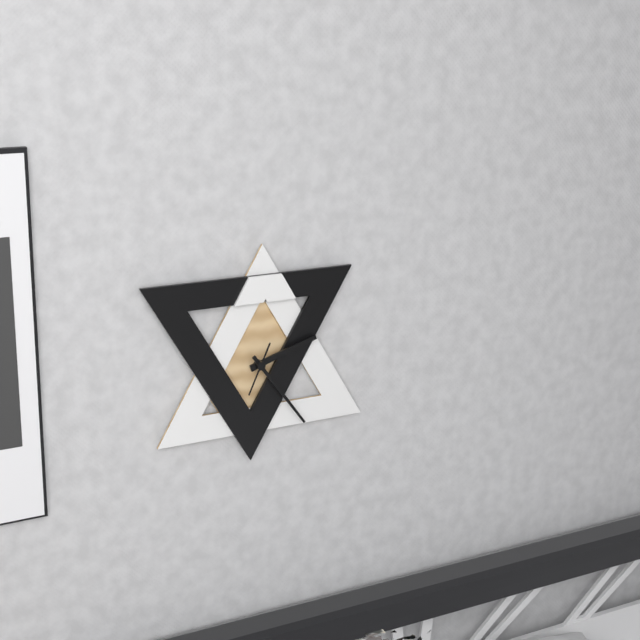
2:24
